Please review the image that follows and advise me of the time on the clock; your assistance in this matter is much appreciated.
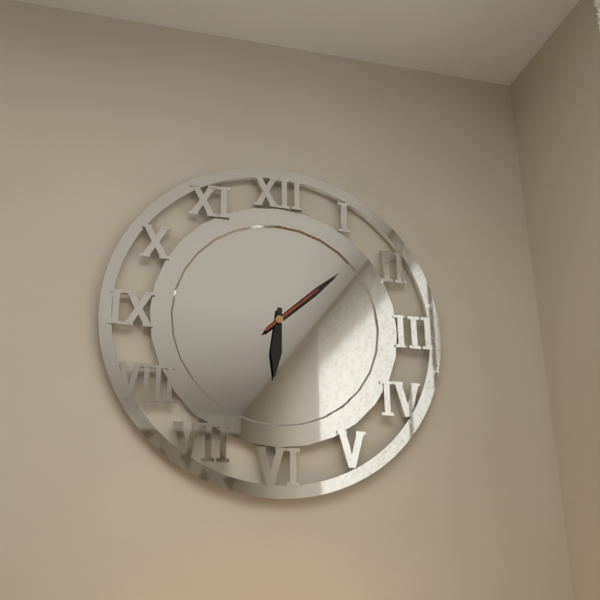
6:08:08
